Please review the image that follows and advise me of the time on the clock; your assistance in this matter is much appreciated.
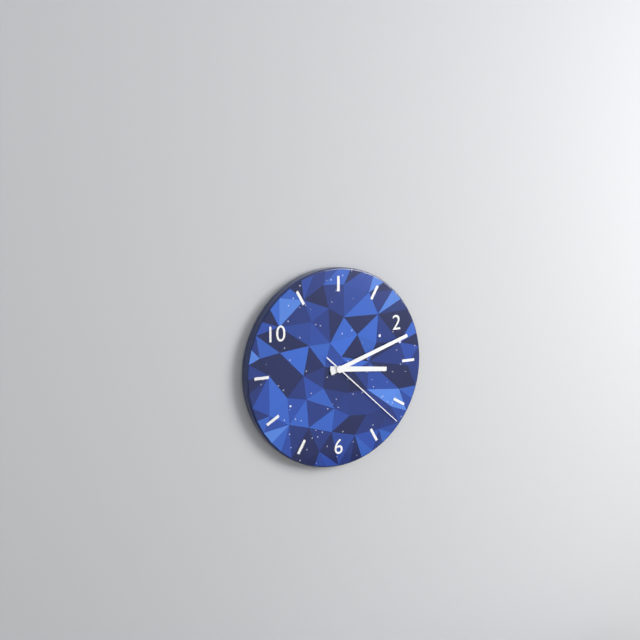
3:12:22
